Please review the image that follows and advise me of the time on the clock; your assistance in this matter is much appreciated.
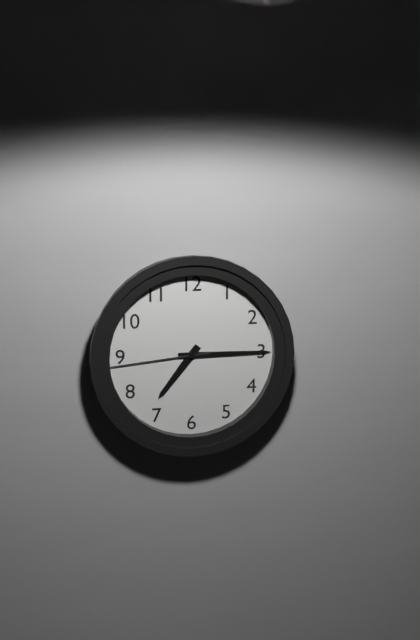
7:15:44
